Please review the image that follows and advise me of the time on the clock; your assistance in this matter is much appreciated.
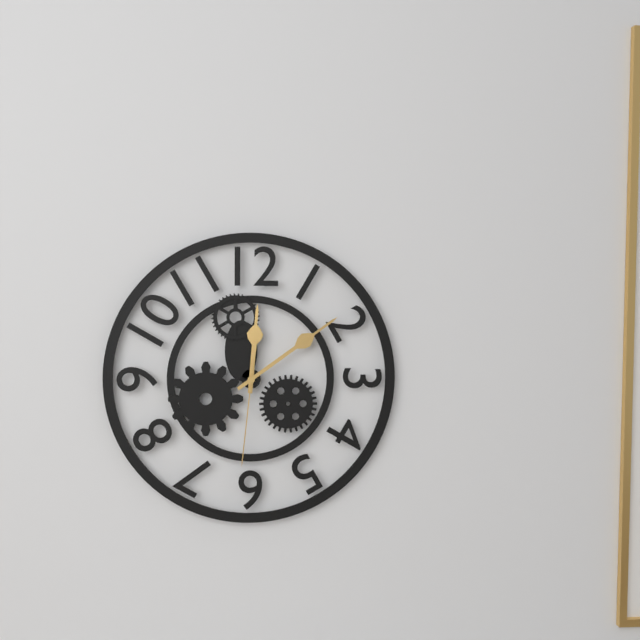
12:09:31
